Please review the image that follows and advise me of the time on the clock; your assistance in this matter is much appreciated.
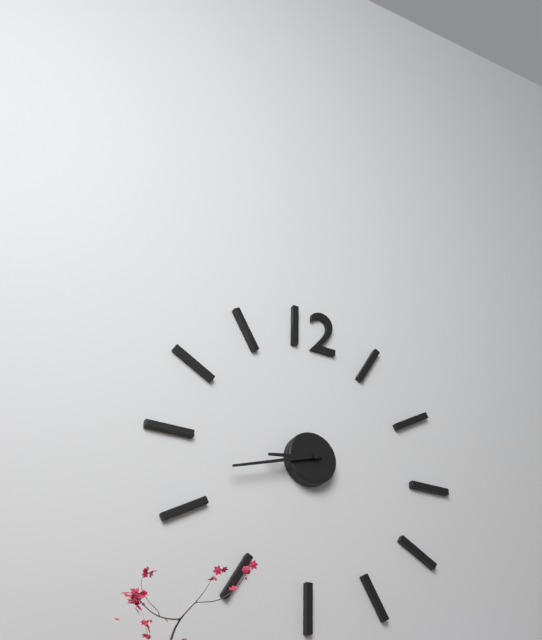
8:42
